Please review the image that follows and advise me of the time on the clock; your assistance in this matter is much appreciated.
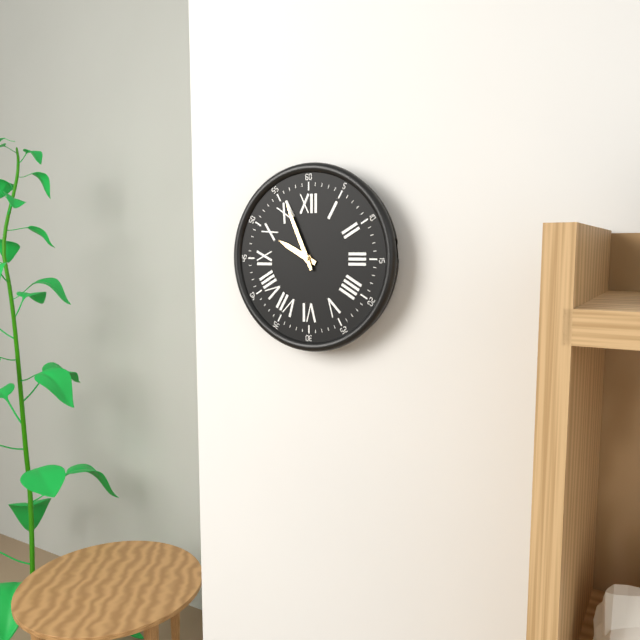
9:56
